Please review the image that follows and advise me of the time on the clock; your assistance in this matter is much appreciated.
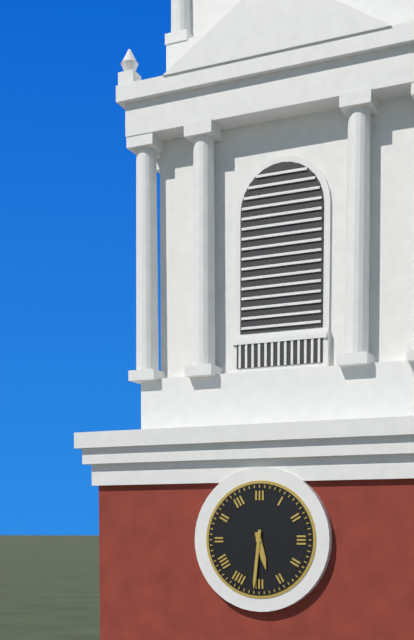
5:31
